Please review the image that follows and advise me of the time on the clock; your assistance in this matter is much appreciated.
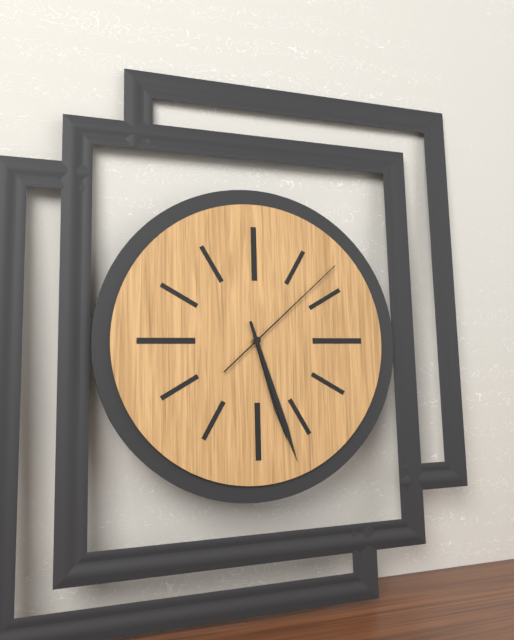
5:27:08
